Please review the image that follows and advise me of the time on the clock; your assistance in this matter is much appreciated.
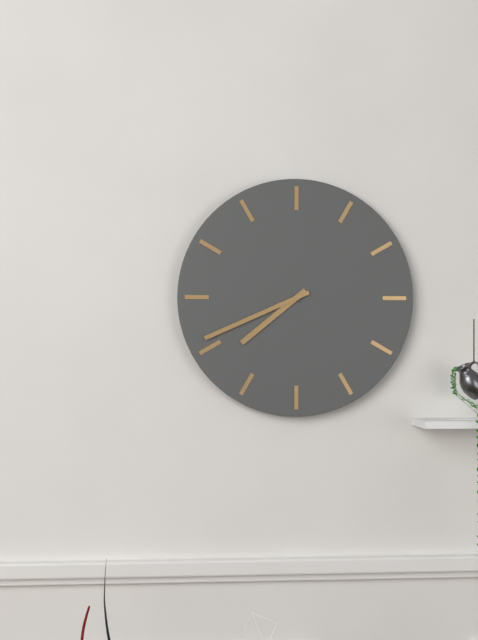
7:41
